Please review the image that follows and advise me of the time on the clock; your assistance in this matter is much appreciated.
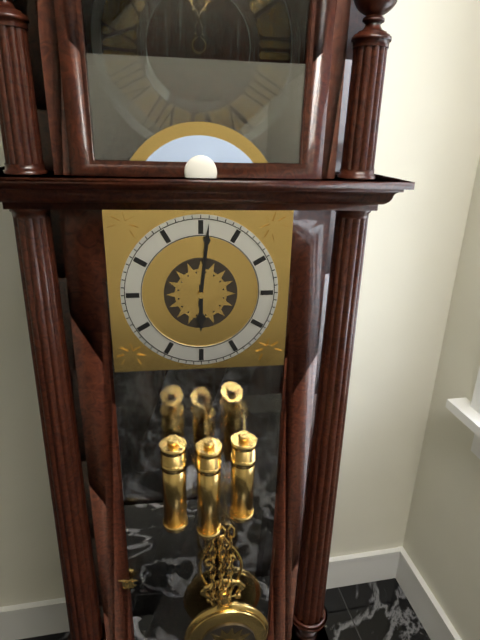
6:01
